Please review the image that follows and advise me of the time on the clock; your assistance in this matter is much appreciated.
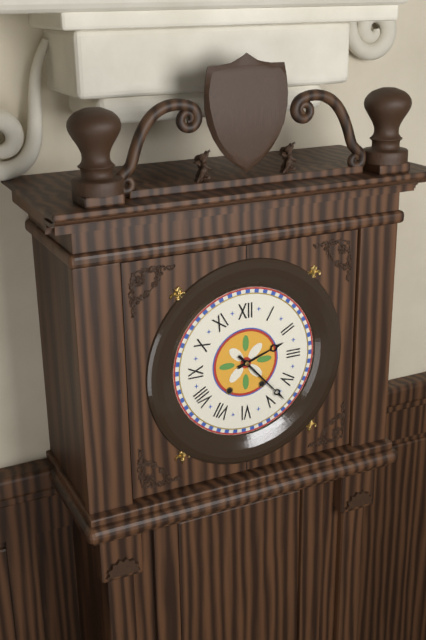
2:23
